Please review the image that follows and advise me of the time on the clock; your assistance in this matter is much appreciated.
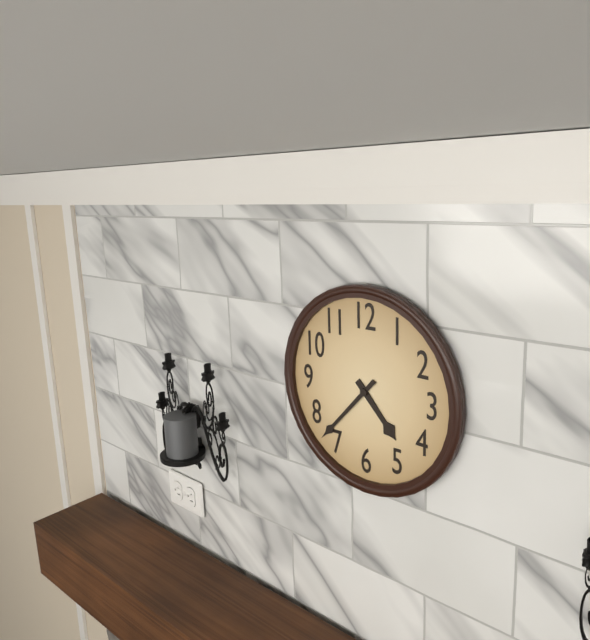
4:37
